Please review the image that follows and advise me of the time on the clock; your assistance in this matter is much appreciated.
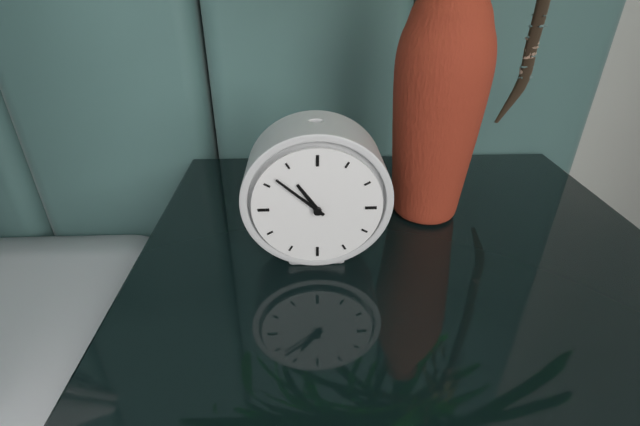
10:52
